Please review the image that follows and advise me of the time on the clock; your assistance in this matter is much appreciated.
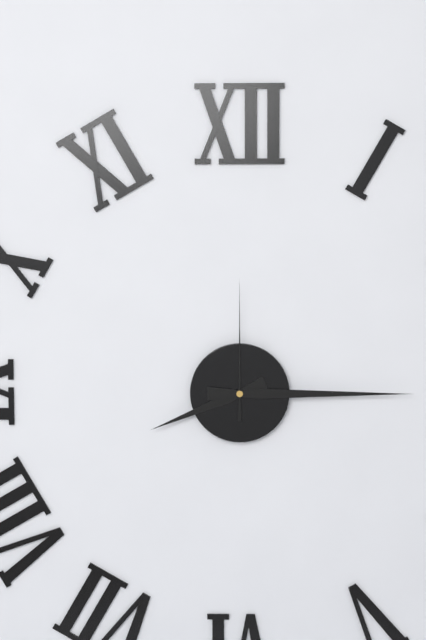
8:15:00
